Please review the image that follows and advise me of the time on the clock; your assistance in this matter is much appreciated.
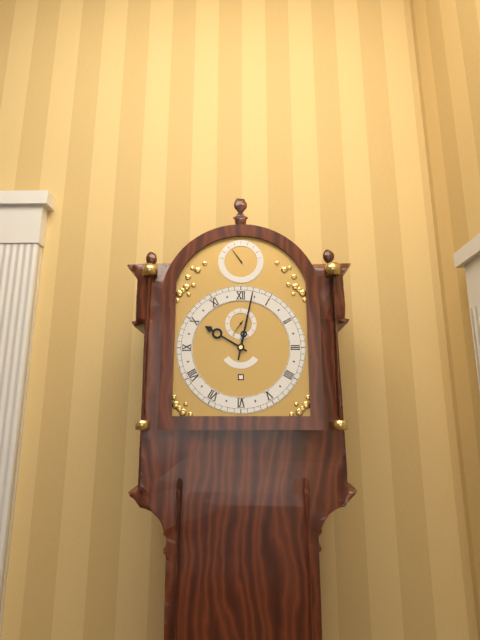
10:02
